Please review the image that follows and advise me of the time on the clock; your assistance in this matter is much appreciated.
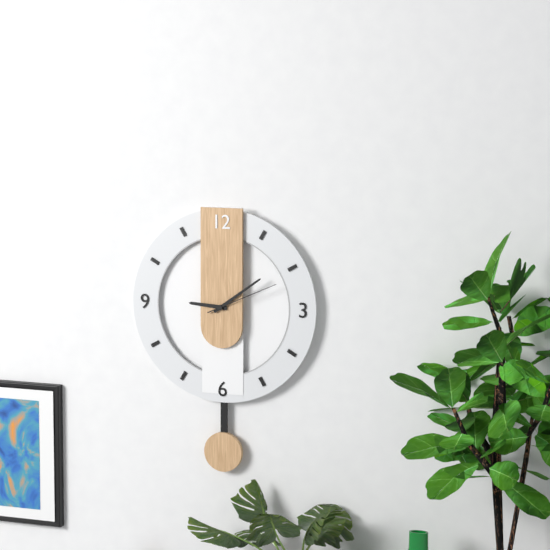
9:09:11
